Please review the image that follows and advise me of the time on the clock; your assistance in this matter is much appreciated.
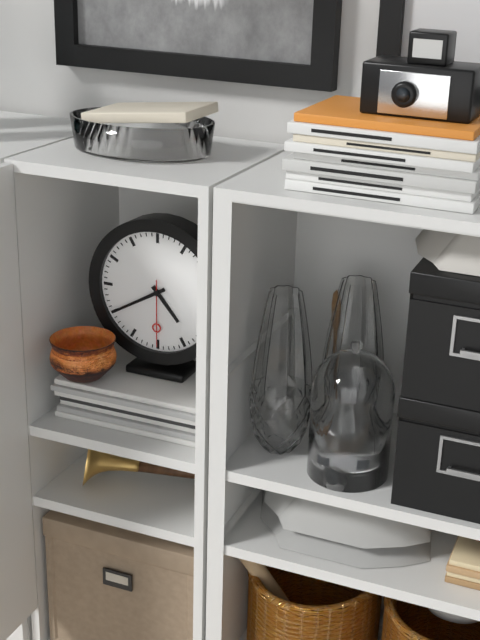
4:40:30
